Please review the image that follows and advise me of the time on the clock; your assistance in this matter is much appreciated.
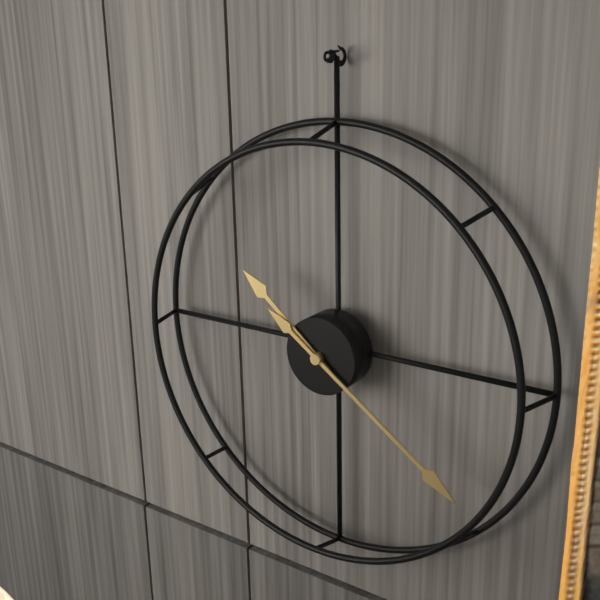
10:21
